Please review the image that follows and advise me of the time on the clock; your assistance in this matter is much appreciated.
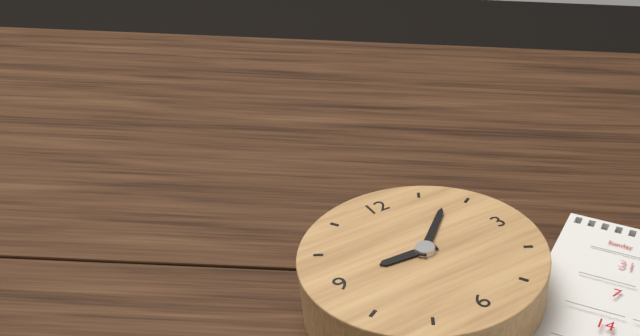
9:08
